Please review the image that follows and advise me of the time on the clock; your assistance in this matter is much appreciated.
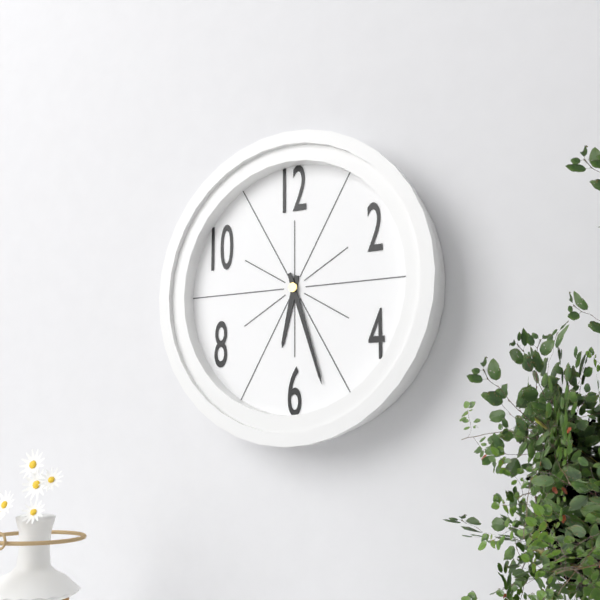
6:27
